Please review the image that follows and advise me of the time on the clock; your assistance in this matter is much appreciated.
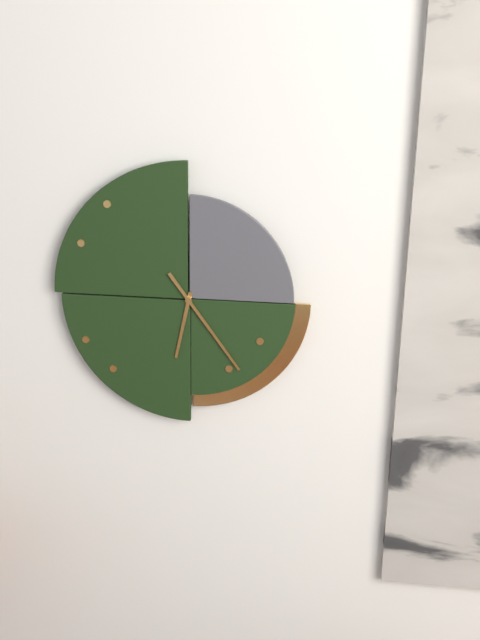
6:24
